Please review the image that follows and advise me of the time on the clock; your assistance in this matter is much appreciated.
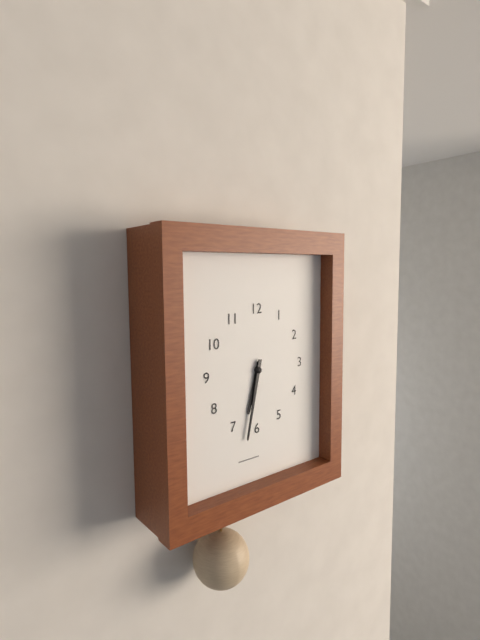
6:32
